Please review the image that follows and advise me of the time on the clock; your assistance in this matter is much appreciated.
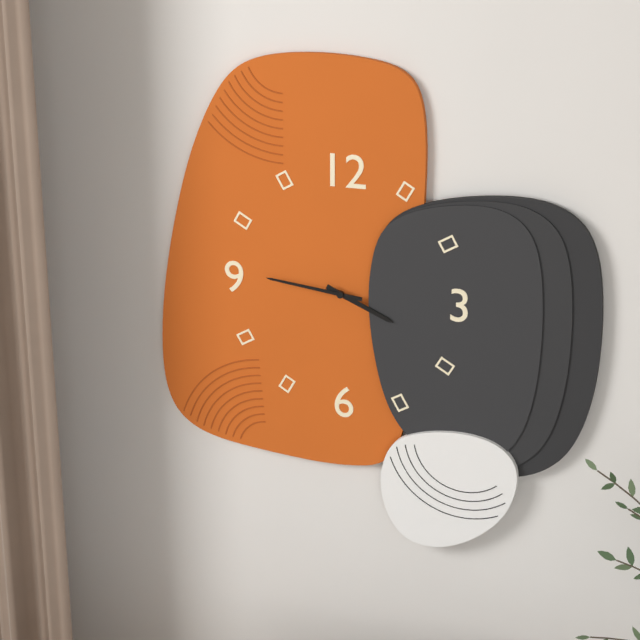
3:46
